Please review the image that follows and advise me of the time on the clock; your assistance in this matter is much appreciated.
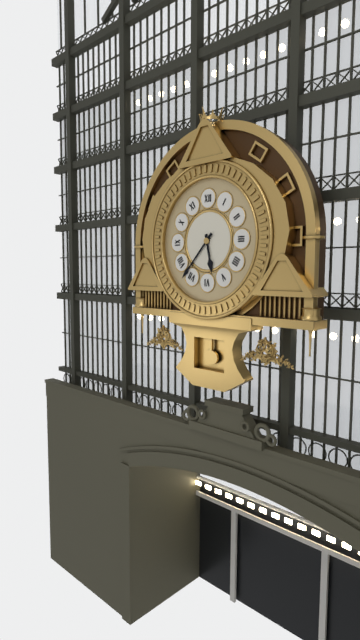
5:37
